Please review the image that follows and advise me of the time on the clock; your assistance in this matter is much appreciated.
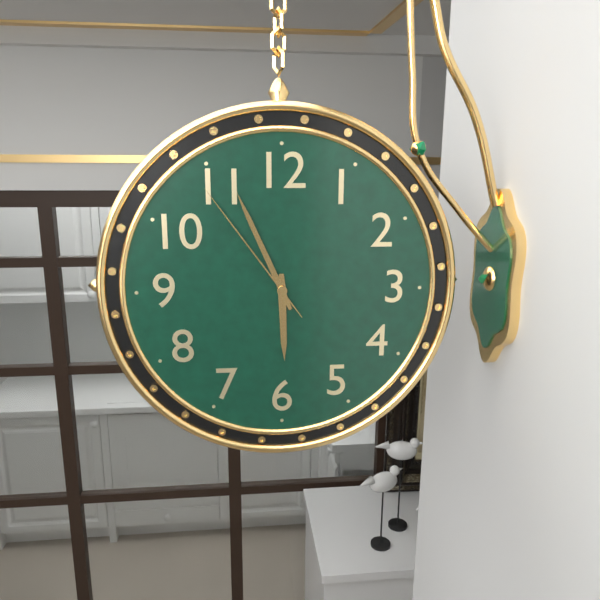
5:56:54
